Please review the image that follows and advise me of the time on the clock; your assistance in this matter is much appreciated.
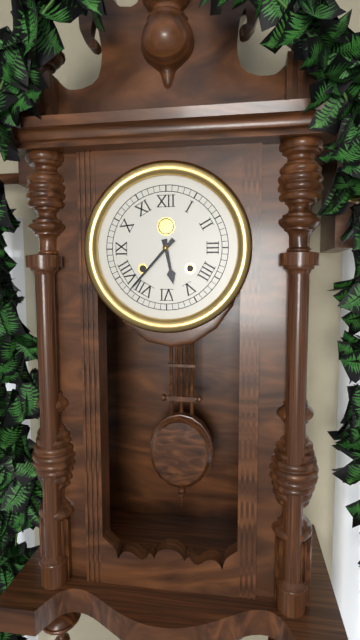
5:37
